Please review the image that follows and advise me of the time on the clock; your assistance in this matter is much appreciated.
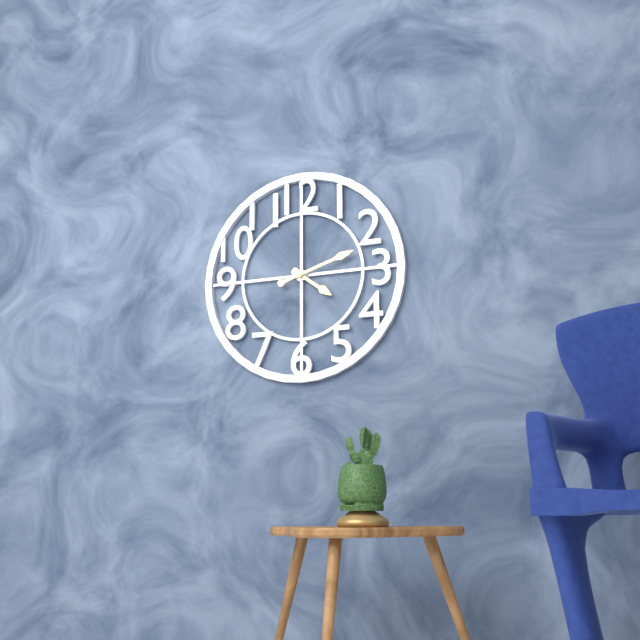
4:12
